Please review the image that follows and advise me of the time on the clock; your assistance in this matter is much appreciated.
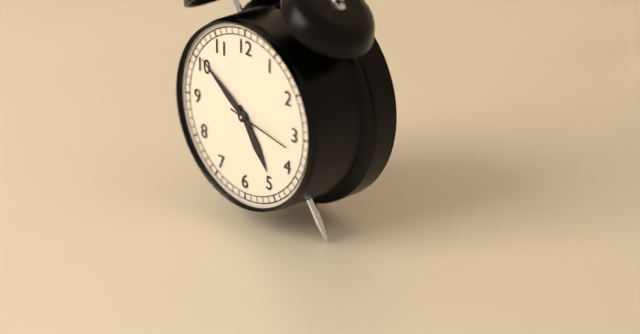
4:51:17
